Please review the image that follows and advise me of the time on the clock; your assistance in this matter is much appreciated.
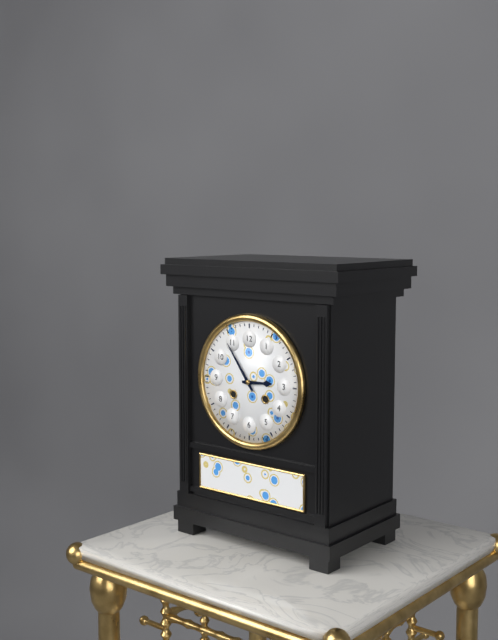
2:54
